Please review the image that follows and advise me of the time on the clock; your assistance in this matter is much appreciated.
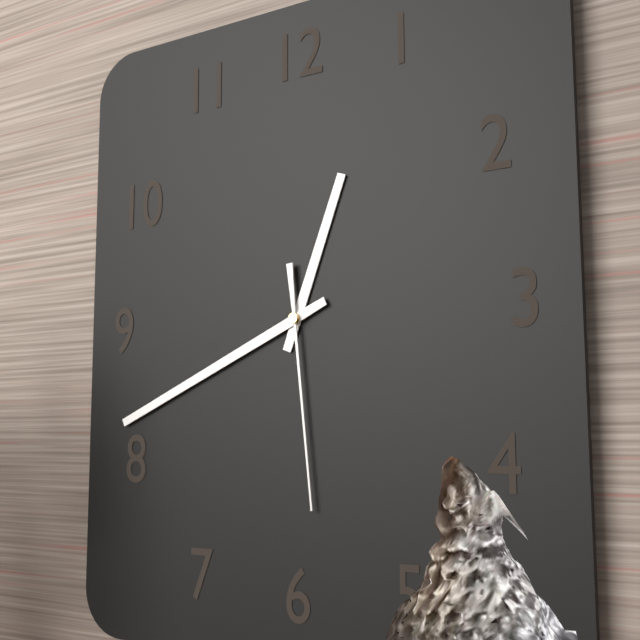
12:41:29
